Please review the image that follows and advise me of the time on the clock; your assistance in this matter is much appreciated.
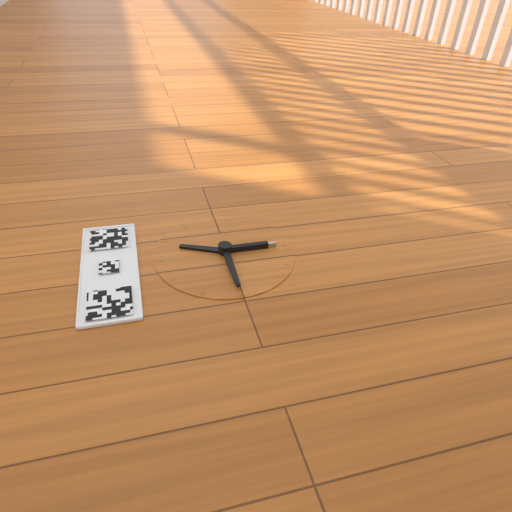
12:45
